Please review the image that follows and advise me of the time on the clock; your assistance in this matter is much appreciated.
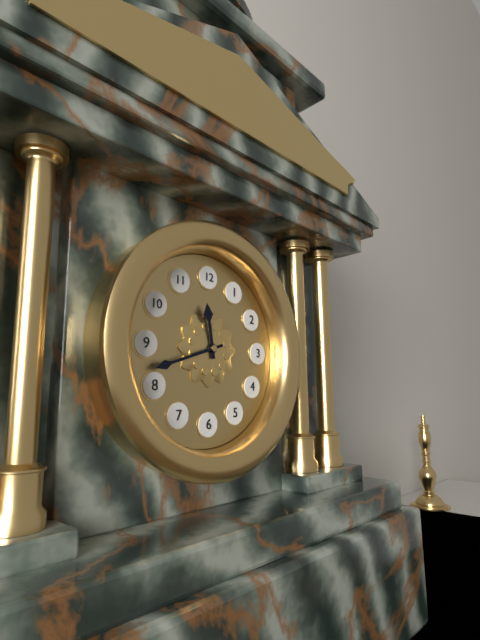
11:42
